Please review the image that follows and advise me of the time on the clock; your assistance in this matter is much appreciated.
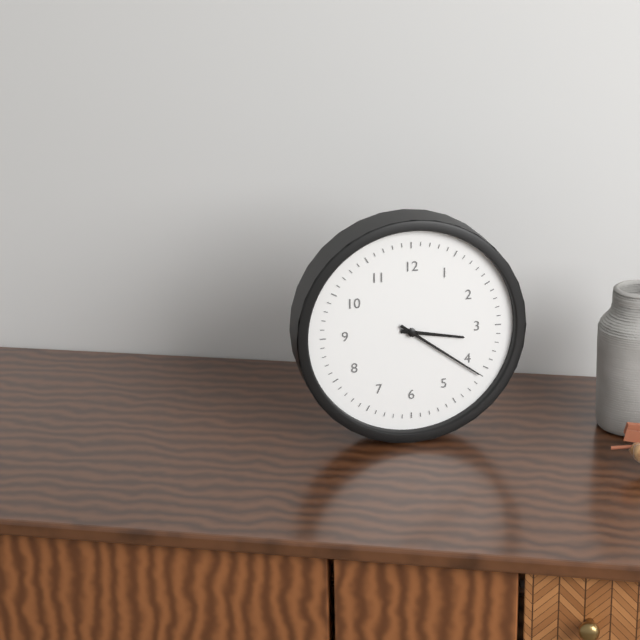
3:21
